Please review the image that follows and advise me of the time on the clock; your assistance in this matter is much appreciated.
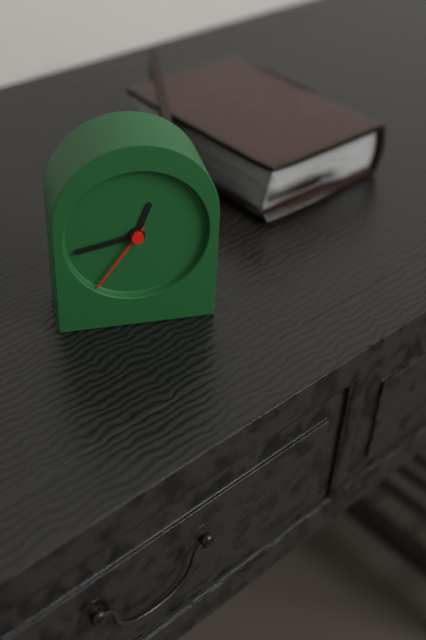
12:43:36
